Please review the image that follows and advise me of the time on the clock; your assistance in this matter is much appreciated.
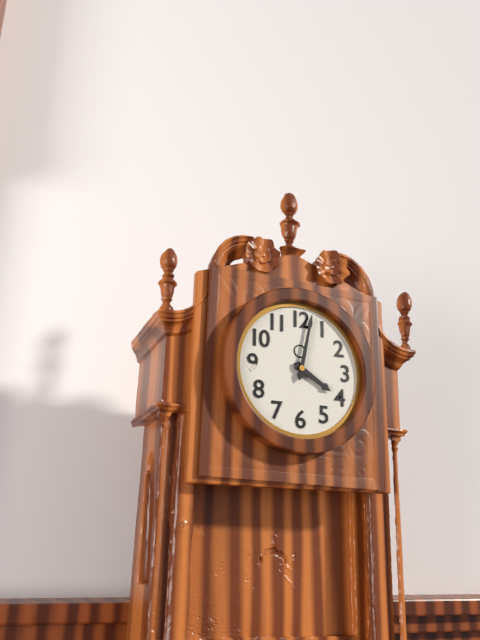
4:02
